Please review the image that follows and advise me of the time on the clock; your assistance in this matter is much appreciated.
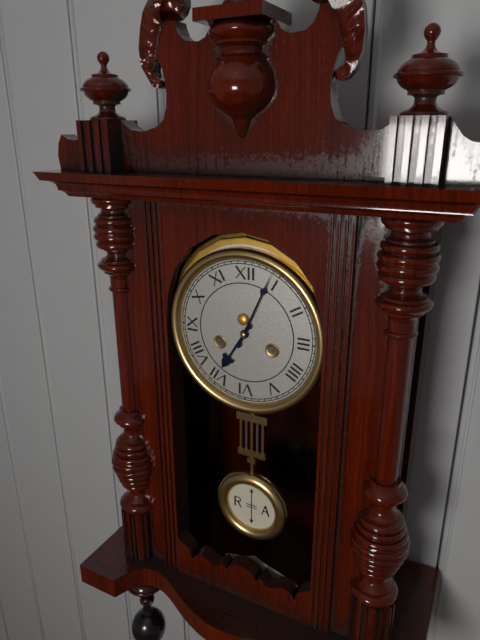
7:04
